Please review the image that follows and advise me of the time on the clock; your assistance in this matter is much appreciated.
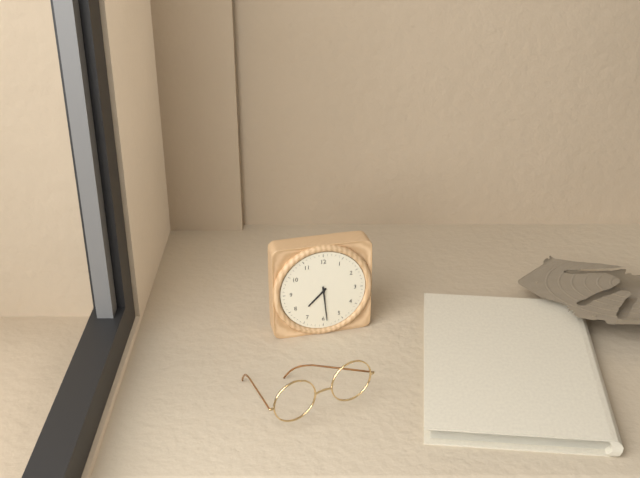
7:29
